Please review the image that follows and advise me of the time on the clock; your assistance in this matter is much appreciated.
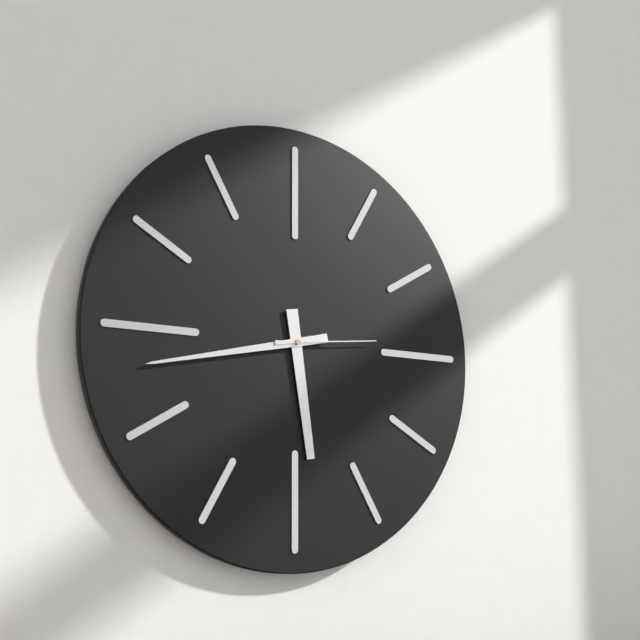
5:43:14
